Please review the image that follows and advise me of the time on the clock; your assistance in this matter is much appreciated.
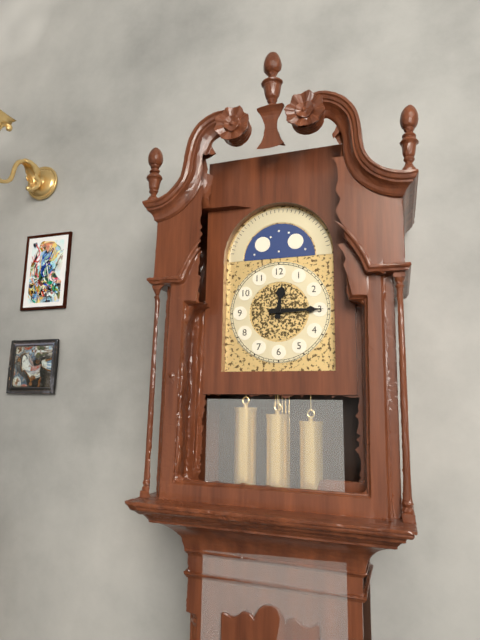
12:15
